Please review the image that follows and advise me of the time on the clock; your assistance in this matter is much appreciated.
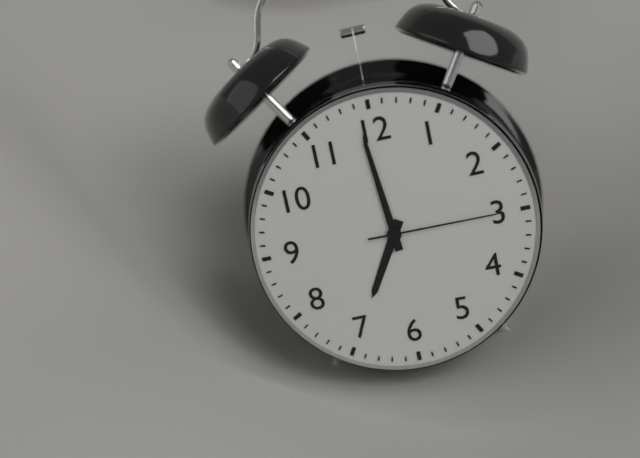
6:59:15
